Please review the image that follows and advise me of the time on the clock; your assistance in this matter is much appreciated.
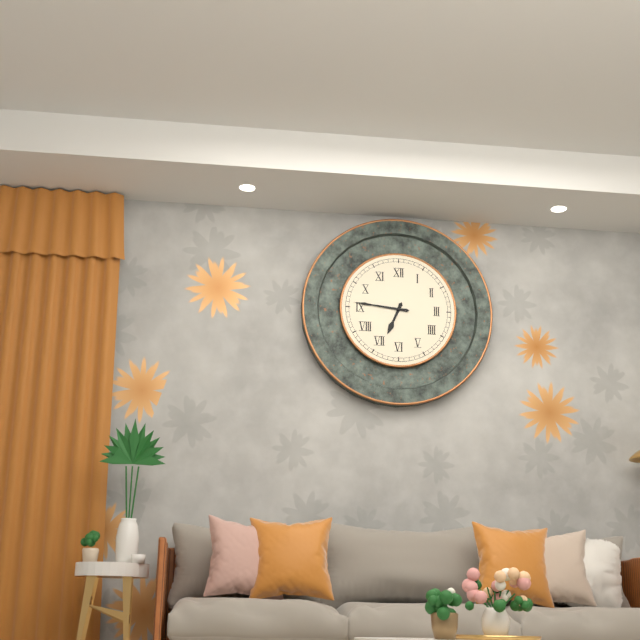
6:46
